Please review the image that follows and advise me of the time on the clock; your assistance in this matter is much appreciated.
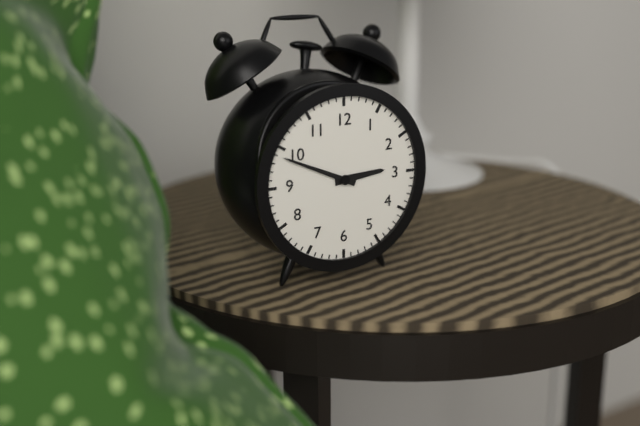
2:49
